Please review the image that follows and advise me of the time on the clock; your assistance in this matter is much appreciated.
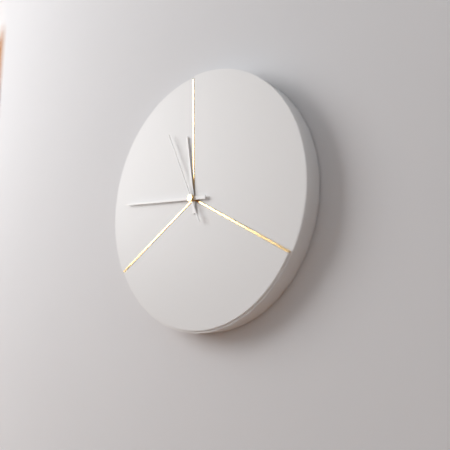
11:46:56
